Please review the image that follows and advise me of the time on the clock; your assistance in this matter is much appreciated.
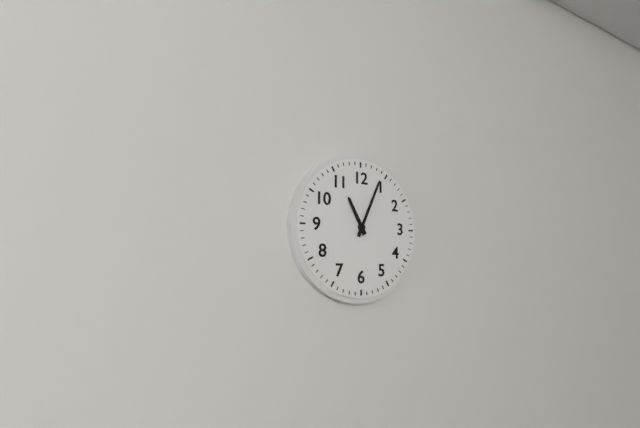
11:04
